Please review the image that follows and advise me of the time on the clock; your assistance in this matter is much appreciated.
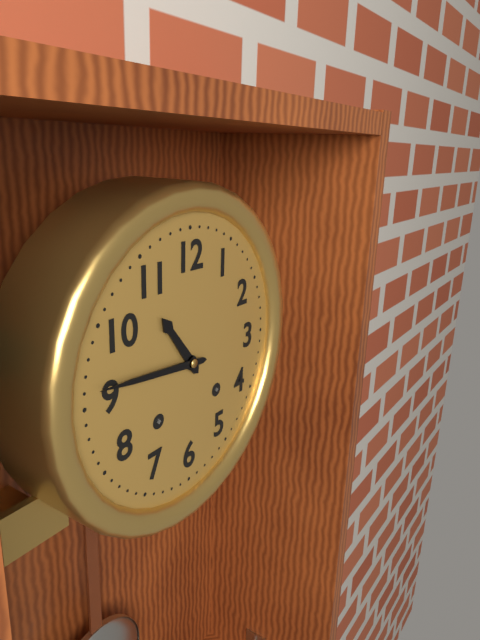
10:46
